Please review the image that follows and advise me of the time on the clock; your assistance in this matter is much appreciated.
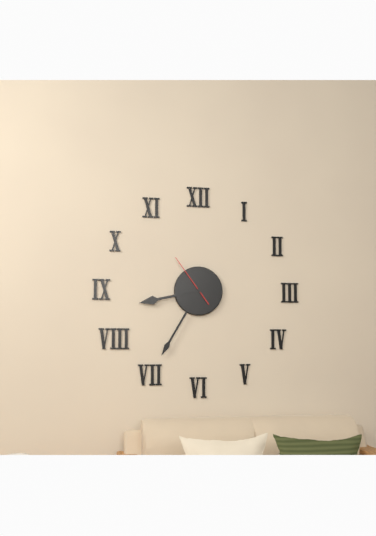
8:35:54
